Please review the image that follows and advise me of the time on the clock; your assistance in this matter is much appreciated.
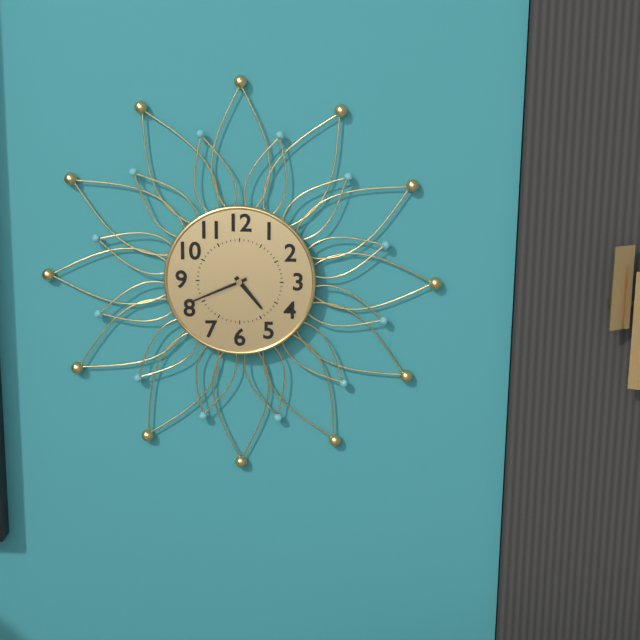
4:41
